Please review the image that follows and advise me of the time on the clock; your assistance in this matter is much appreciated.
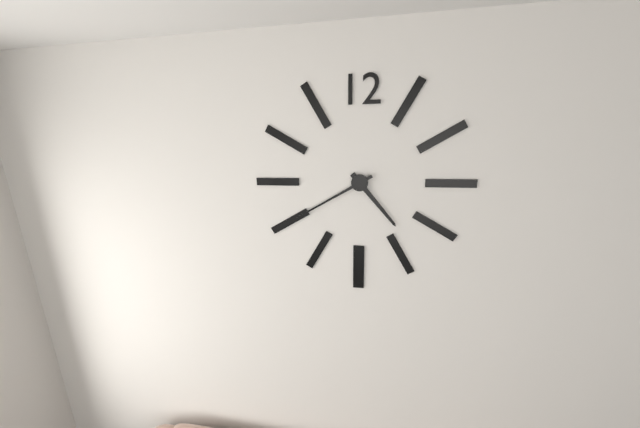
4:40
